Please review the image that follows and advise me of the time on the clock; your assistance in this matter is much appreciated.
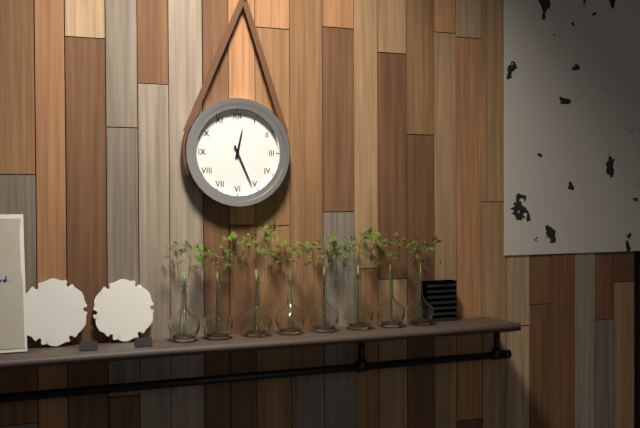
12:26
